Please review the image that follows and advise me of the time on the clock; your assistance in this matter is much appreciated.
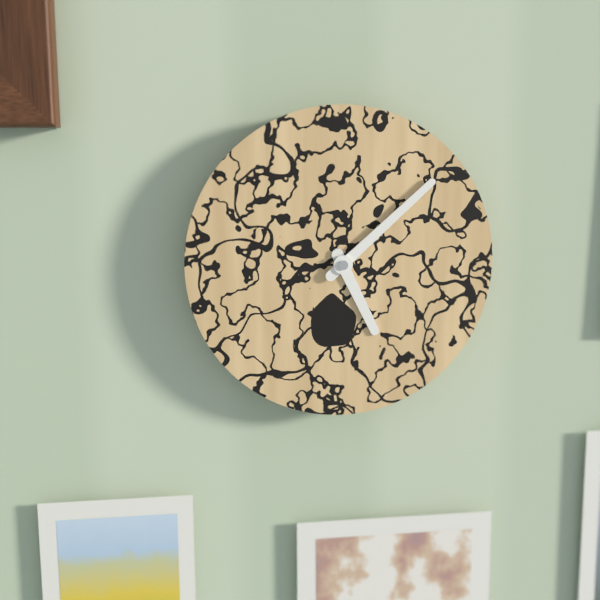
5:08
